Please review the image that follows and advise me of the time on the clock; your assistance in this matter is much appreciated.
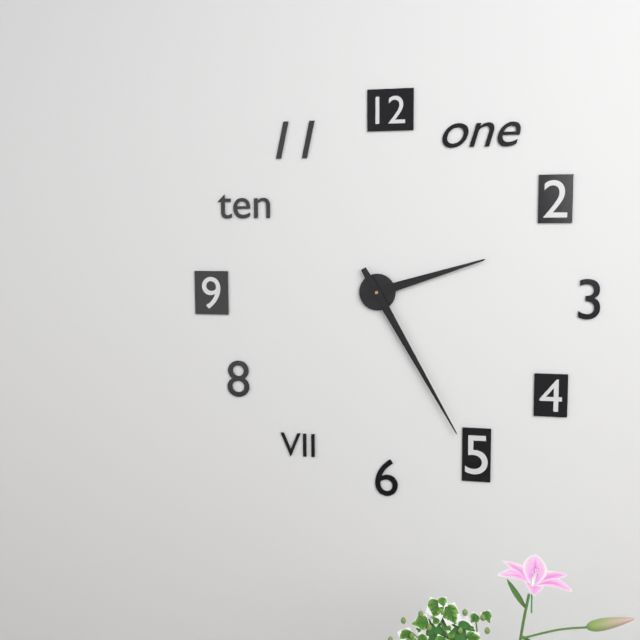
2:25
